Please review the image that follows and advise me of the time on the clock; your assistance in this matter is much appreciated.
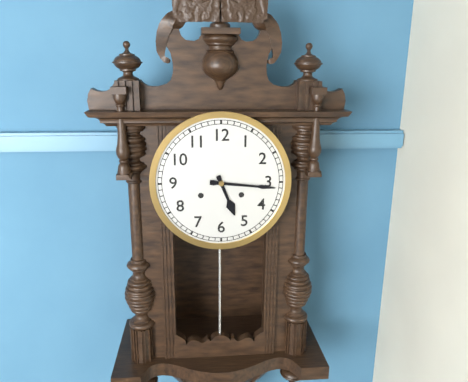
5:16
